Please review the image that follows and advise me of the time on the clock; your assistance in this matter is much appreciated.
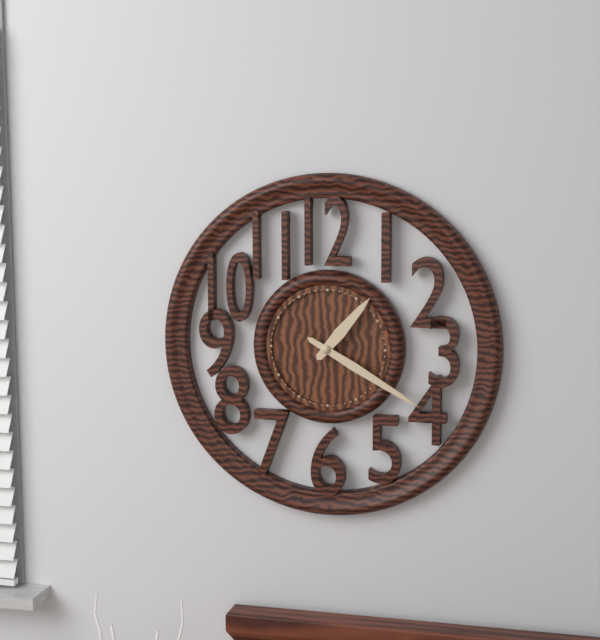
1:20
